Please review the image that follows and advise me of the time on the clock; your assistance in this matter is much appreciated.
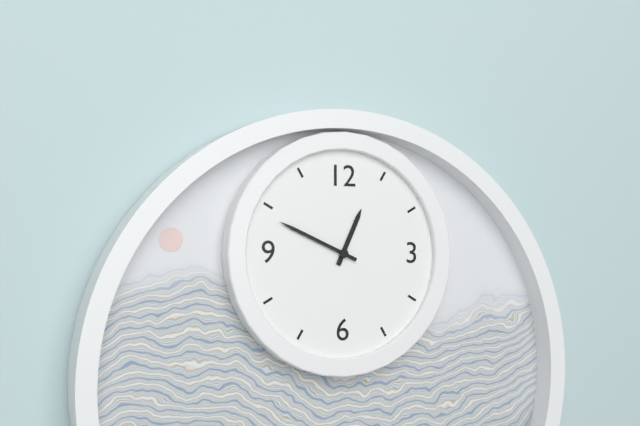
12:49
